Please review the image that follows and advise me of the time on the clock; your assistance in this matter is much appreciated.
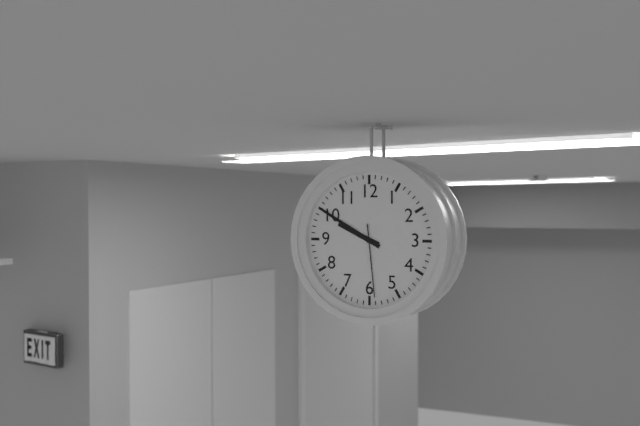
9:50:29
